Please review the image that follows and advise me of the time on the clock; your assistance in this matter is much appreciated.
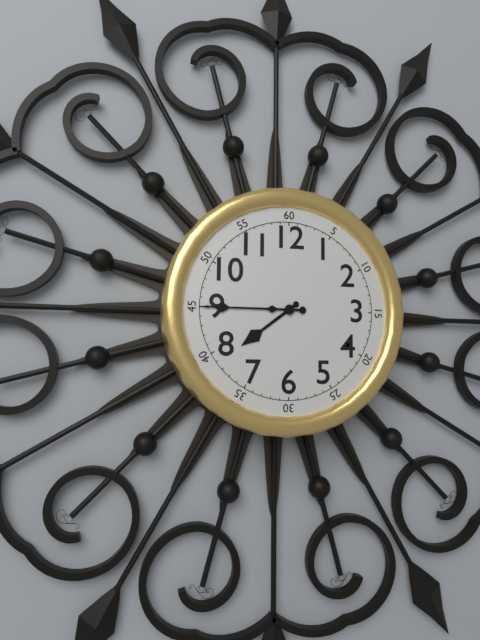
7:45
